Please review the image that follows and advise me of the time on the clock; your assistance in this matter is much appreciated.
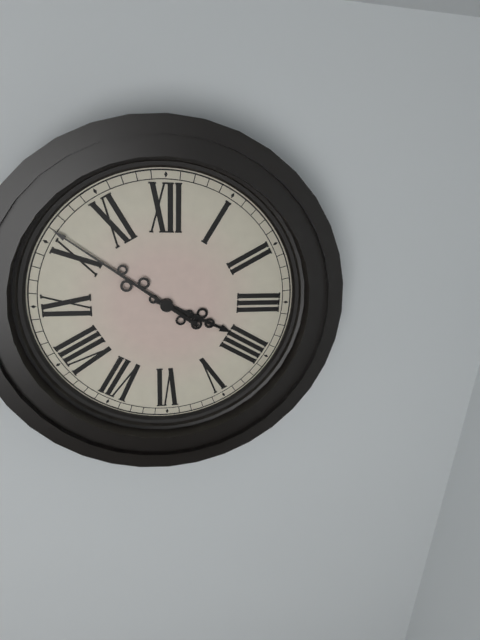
3:51
